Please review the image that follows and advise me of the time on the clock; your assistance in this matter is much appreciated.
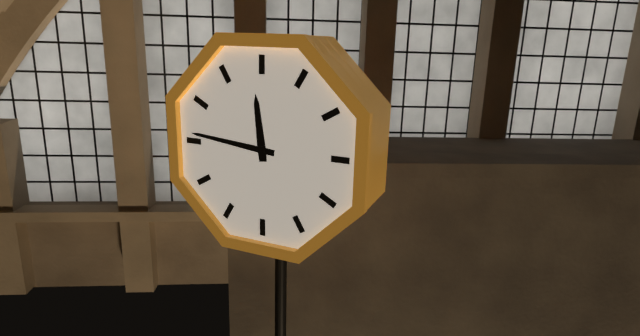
11:46
